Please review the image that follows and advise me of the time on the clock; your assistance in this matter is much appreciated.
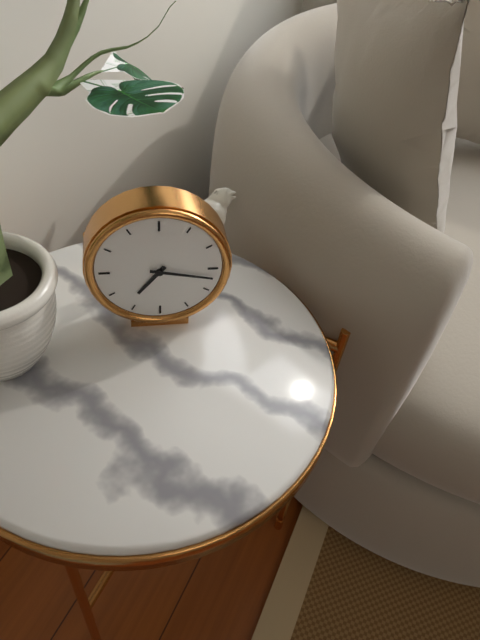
7:17
